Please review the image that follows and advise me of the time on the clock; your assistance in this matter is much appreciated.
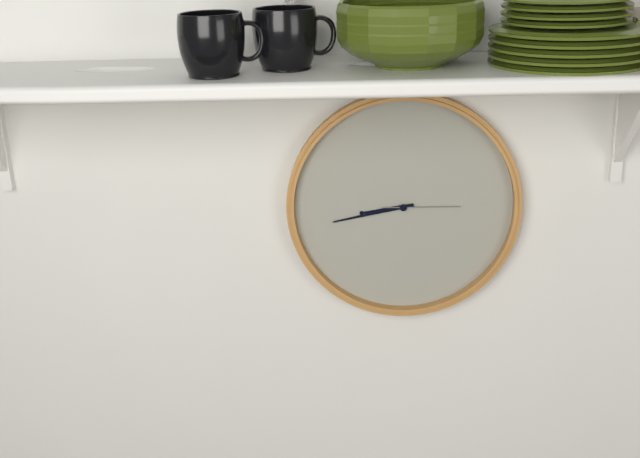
8:43:15
